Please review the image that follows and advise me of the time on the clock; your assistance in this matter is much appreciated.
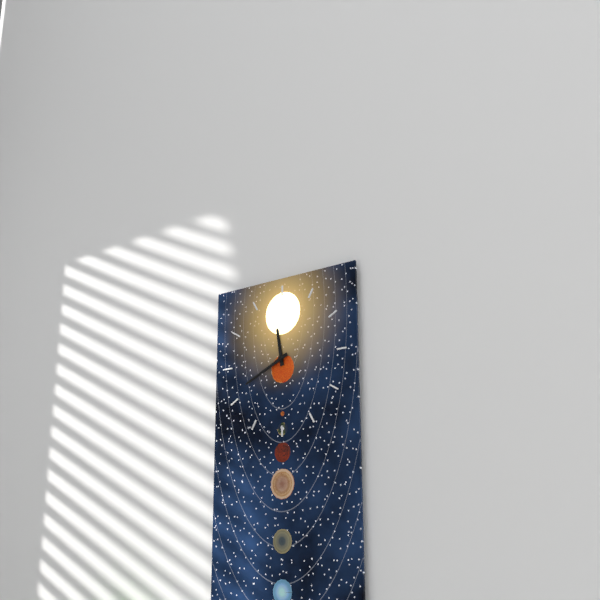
11:41
